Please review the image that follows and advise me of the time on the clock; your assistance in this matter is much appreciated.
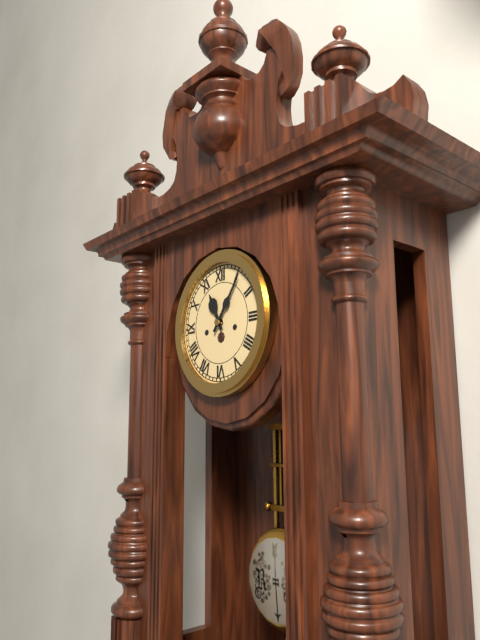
11:06
